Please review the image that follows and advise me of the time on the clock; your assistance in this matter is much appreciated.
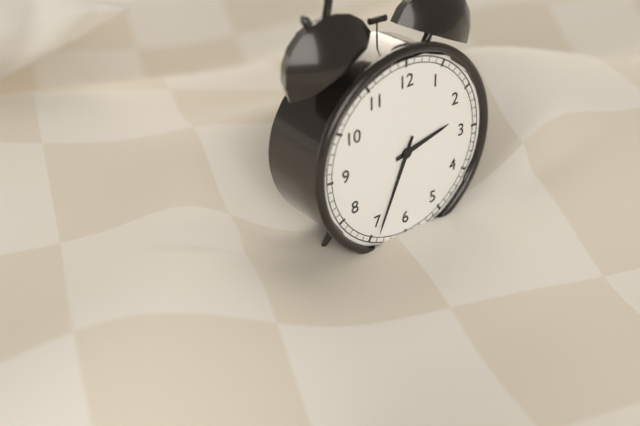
2:34
